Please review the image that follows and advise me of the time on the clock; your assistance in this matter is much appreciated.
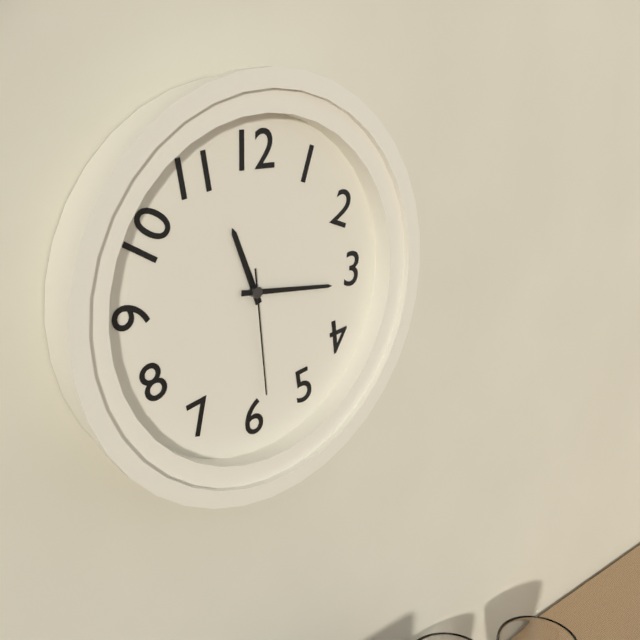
11:16:29
